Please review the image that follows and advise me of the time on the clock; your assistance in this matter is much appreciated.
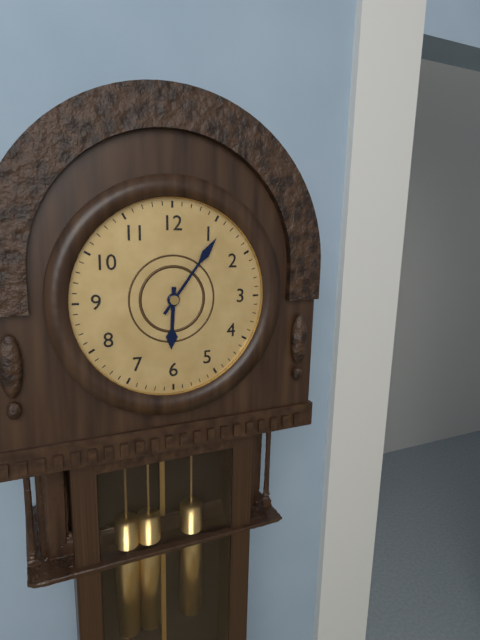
6:06
